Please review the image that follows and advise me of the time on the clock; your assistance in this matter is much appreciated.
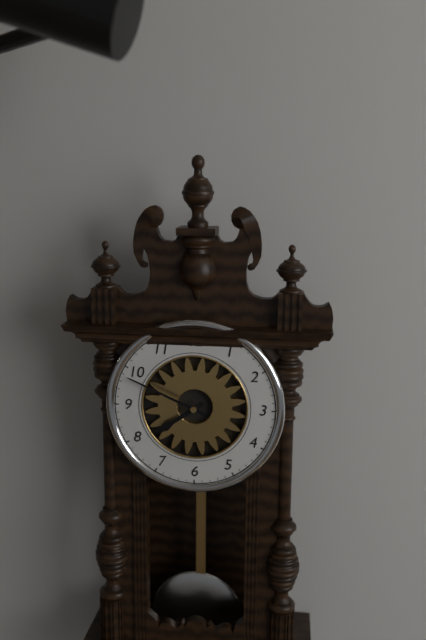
7:49
